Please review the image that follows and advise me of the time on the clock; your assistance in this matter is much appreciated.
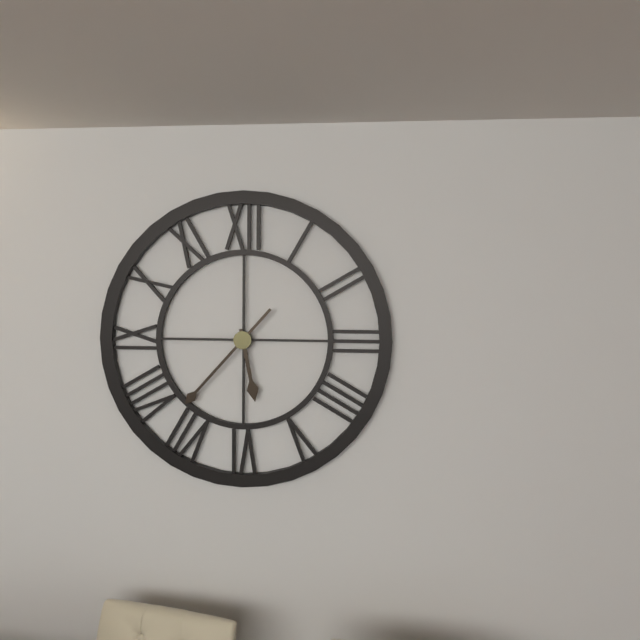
5:37
